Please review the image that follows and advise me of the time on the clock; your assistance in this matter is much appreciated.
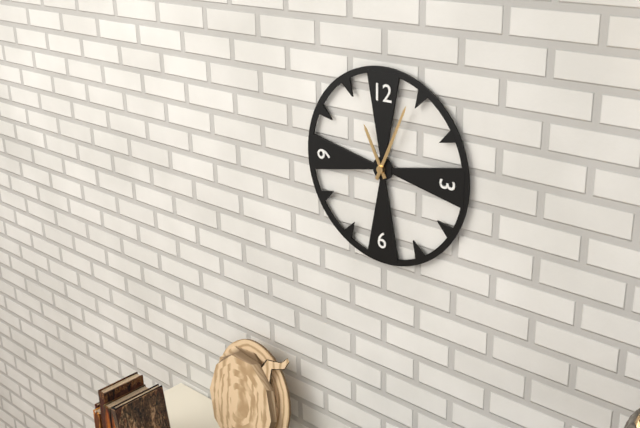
11:04
